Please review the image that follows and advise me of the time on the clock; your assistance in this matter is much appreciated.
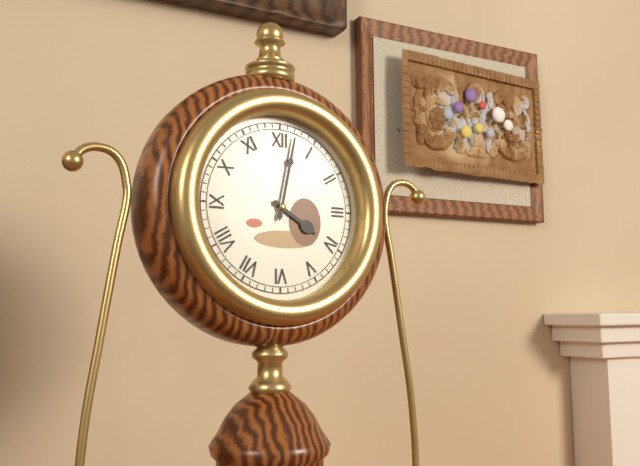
4:02
